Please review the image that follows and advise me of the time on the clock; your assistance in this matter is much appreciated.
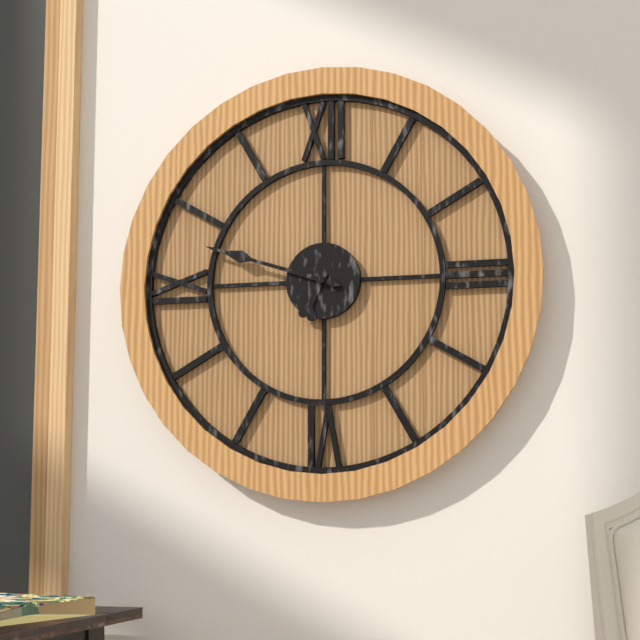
6:48
